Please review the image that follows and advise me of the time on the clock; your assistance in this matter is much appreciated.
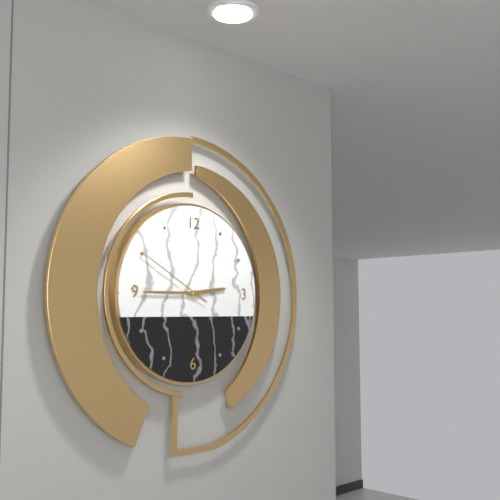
2:45:50
